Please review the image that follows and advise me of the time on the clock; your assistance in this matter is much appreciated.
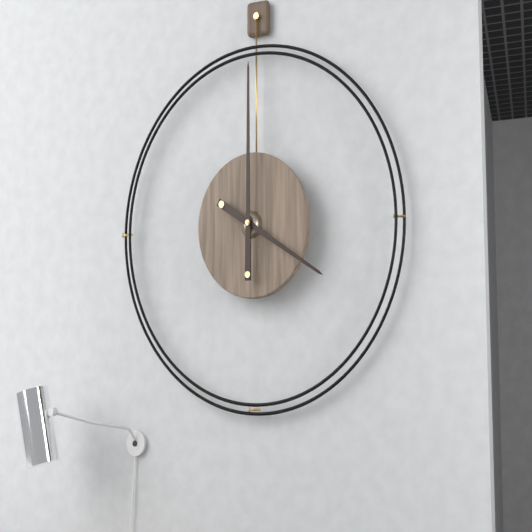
4:00
